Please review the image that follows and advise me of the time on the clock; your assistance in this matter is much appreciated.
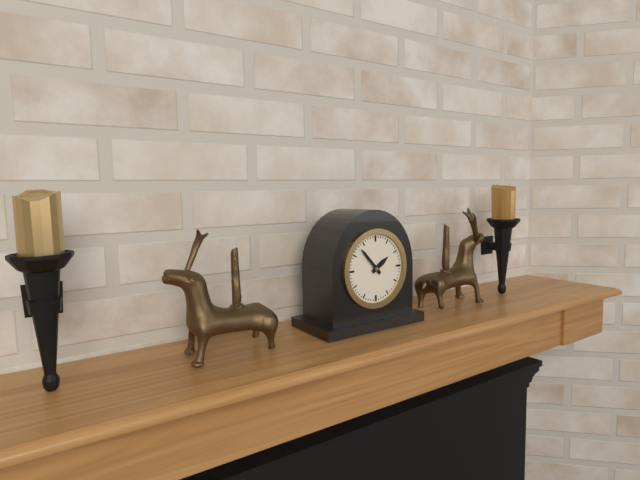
1:53
